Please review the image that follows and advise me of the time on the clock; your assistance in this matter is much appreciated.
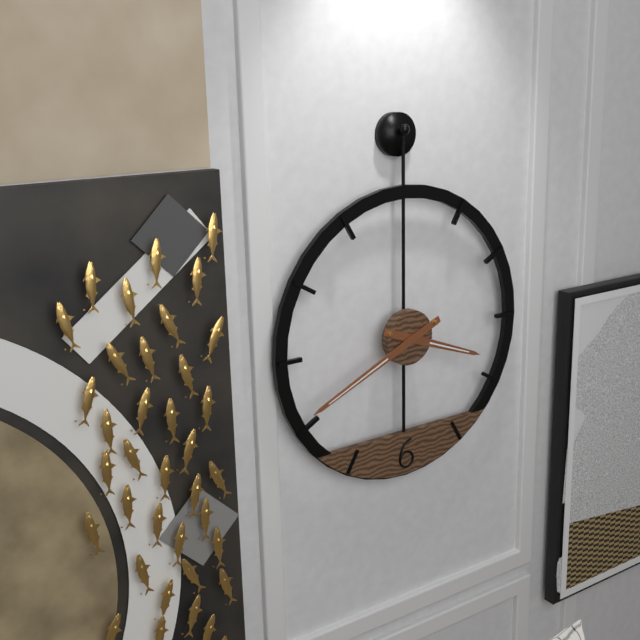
3:41
